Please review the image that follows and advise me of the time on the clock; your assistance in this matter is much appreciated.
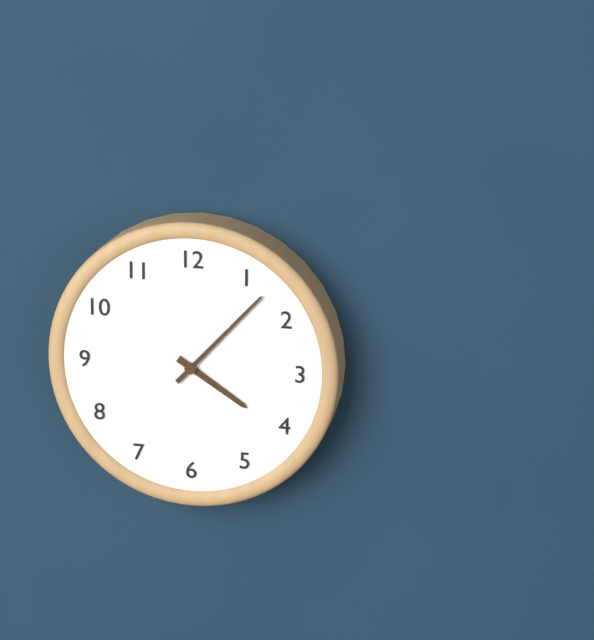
4:07
